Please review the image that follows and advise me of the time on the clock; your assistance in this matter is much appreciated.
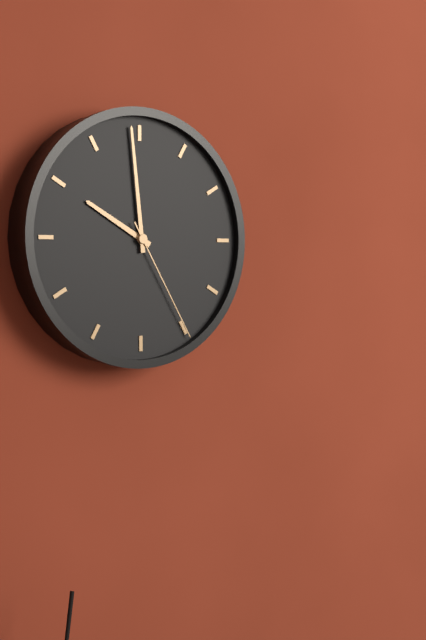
9:59:25
